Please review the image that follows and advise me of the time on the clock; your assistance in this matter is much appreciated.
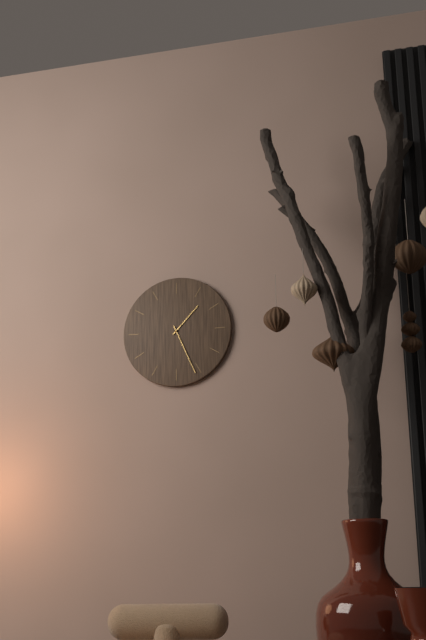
1:26
